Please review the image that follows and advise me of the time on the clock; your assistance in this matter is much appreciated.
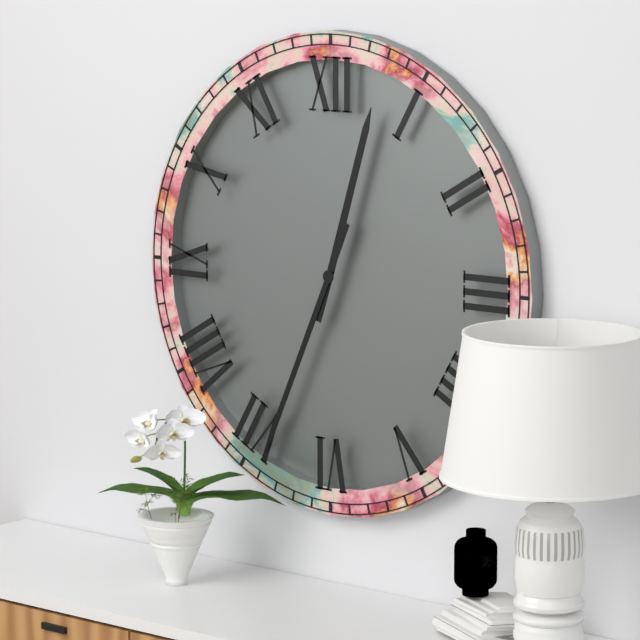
12:34
